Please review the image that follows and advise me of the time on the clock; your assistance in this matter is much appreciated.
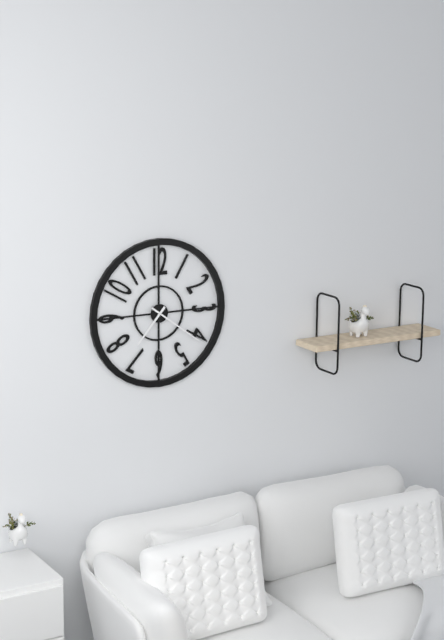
7:21
